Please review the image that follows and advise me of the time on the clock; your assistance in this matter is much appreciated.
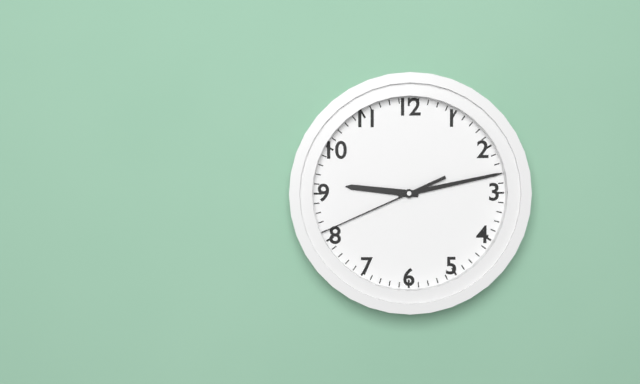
9:13:41
